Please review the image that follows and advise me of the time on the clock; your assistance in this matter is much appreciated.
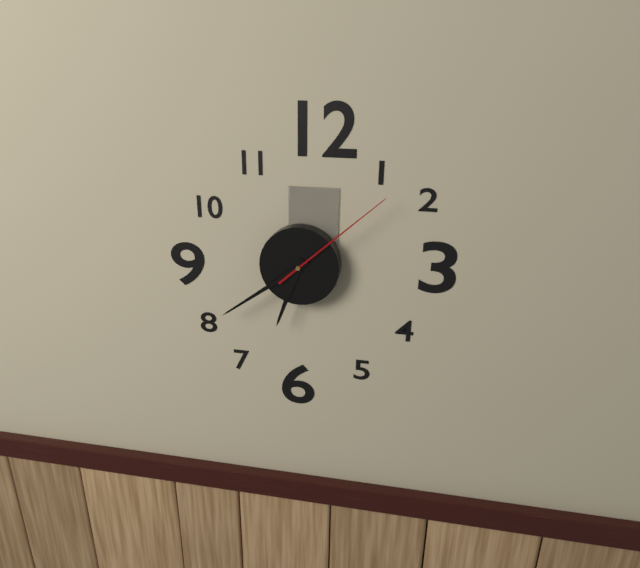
6:39:08
